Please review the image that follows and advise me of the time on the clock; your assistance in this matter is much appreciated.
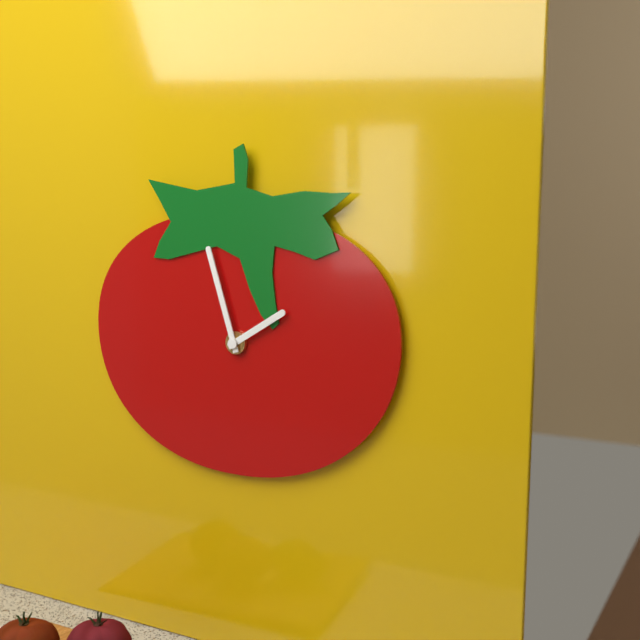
1:57
